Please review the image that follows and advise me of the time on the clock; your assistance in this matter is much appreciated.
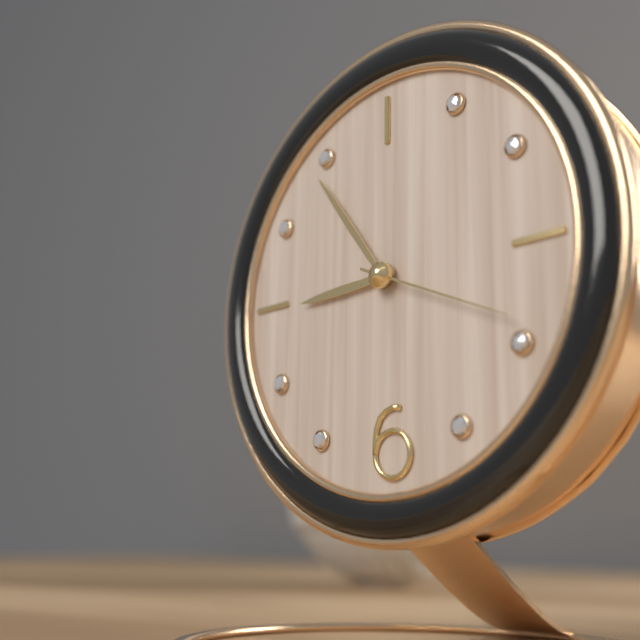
8:54:19
